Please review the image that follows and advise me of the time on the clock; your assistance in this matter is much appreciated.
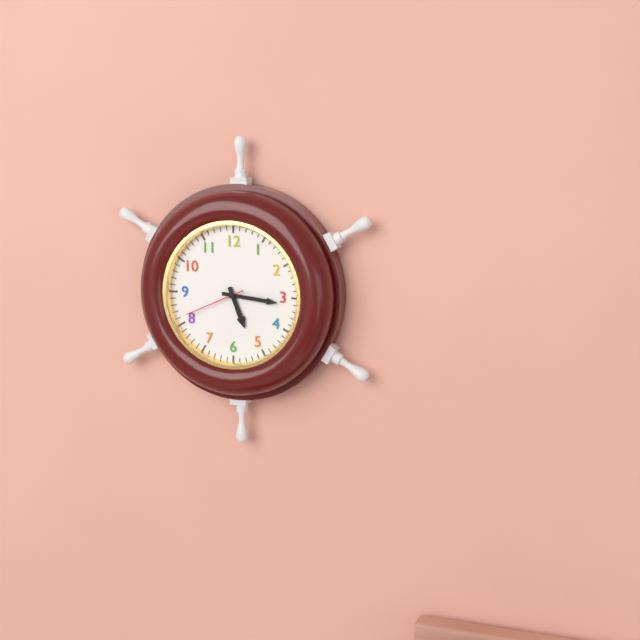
5:16:41
